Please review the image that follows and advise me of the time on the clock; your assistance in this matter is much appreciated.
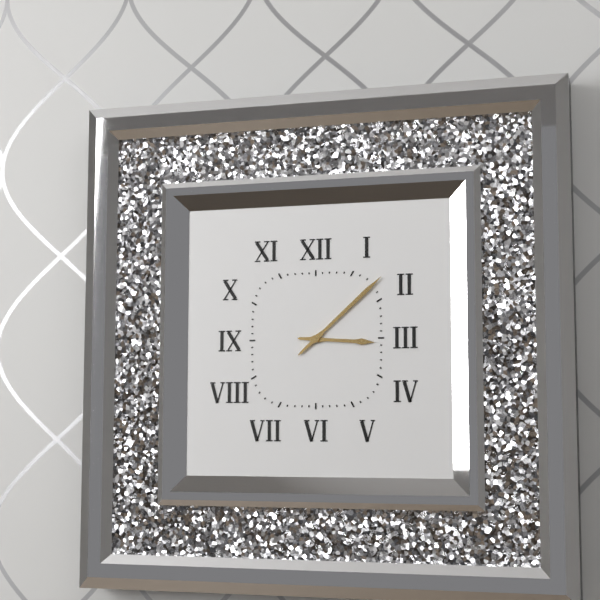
3:08
